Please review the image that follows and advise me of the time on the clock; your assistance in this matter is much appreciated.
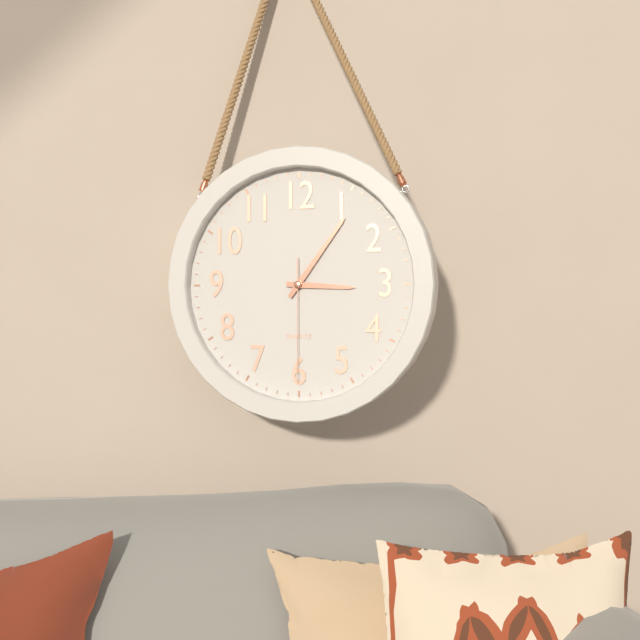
3:06:30
